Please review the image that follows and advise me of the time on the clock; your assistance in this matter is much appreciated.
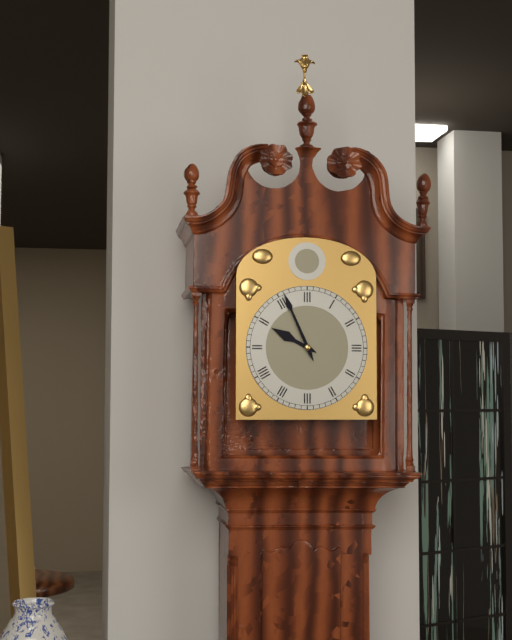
9:56
